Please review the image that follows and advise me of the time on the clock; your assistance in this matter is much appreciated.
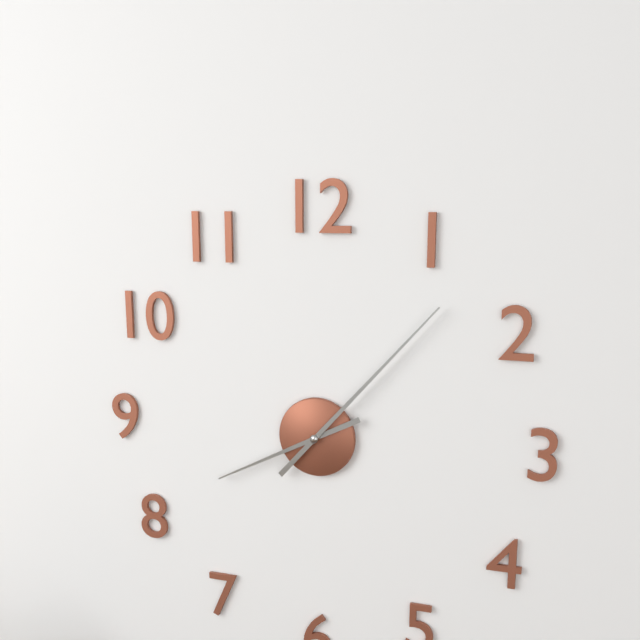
8:07
